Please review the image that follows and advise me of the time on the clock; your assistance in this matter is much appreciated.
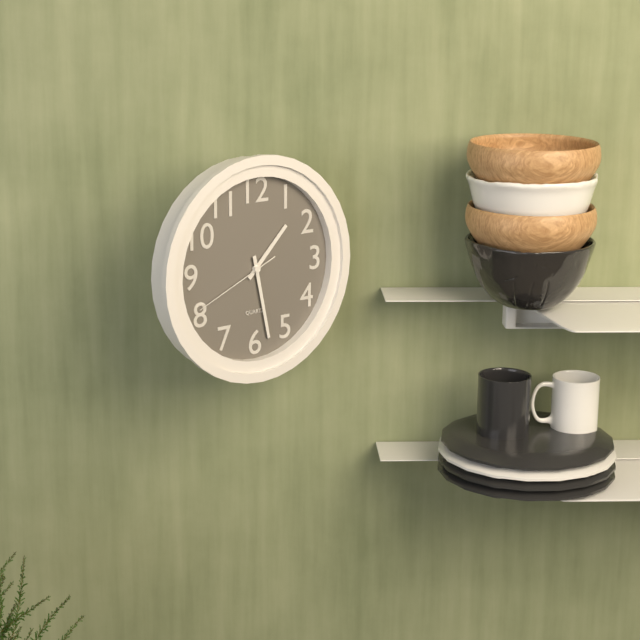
1:28:41
